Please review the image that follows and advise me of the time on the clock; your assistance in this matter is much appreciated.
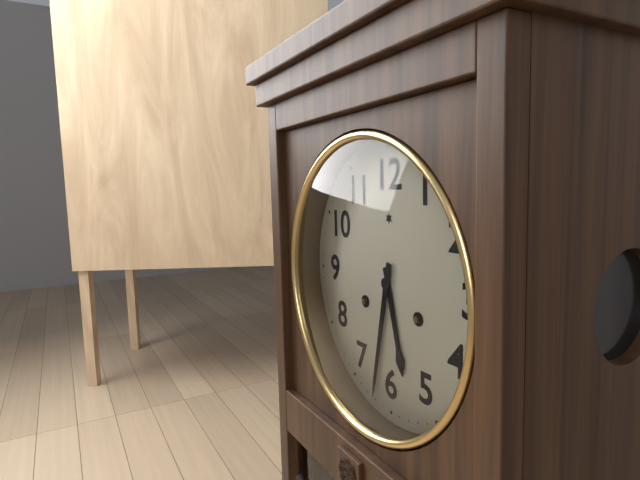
5:32
